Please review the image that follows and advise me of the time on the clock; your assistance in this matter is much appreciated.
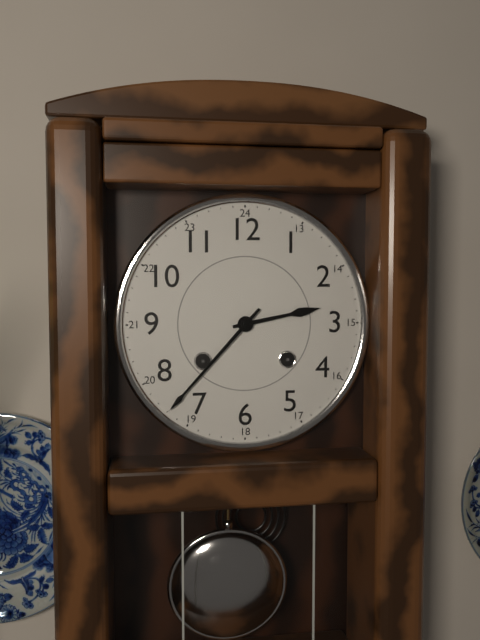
2:37
